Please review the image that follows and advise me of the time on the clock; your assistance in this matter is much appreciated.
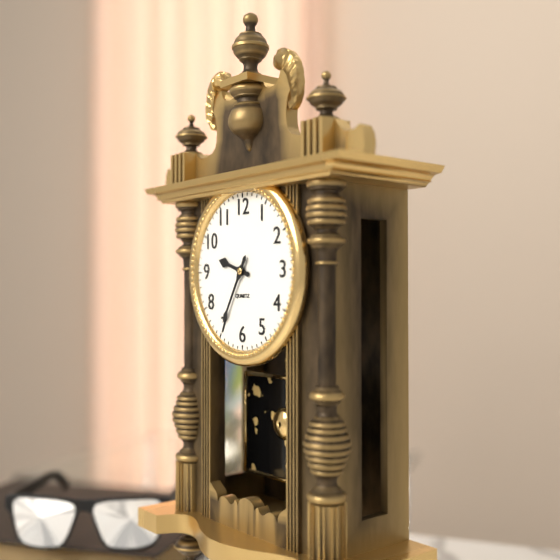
9:35
